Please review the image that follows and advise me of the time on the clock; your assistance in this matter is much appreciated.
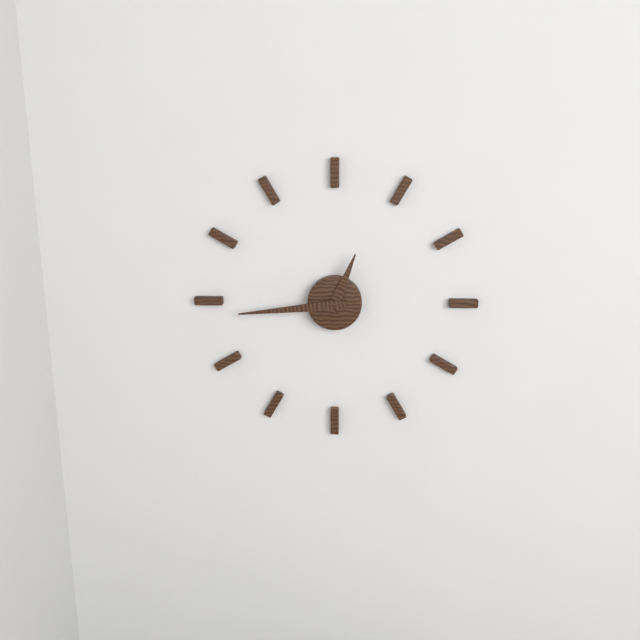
12:44
